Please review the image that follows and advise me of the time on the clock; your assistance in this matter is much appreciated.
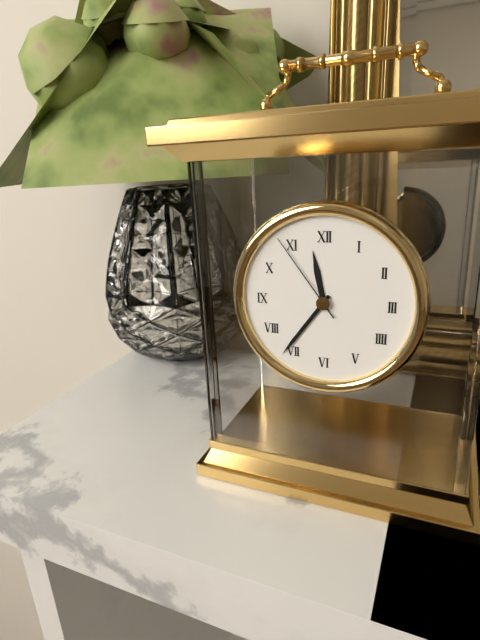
11:36:54
